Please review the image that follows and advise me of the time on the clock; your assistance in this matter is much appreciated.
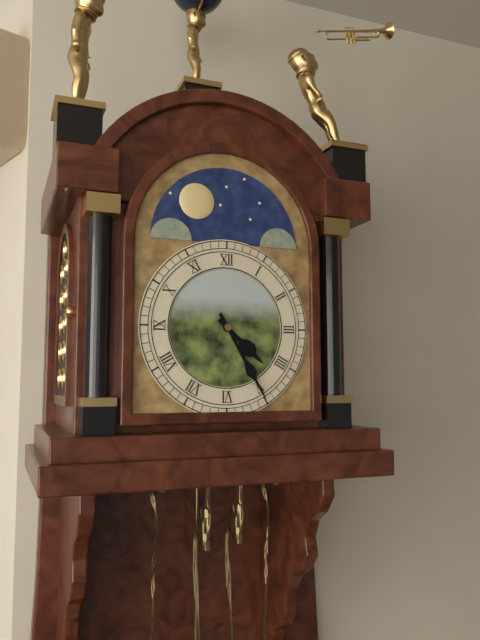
4:25
